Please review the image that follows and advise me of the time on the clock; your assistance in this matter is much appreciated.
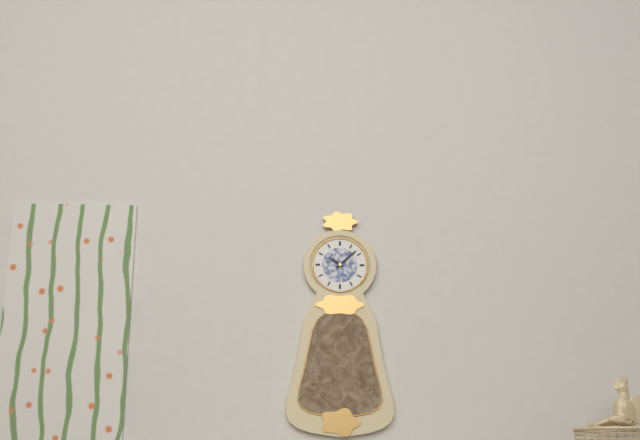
10:08
